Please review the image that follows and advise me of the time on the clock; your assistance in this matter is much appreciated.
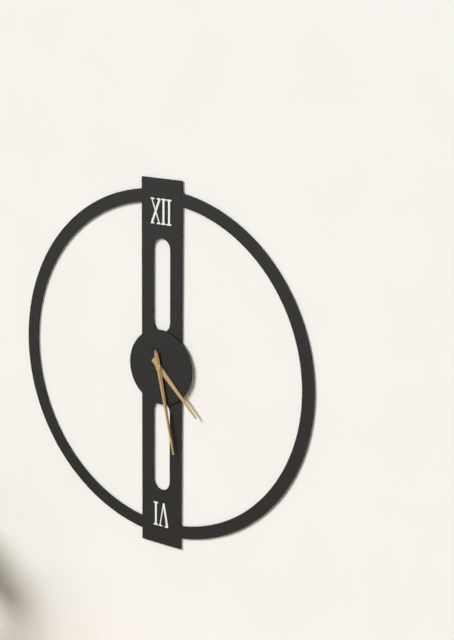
4:28:28
